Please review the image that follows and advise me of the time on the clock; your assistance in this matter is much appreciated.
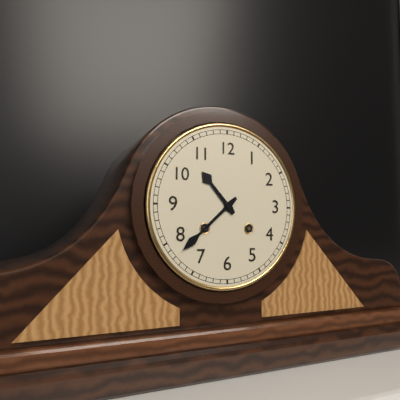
10:38
